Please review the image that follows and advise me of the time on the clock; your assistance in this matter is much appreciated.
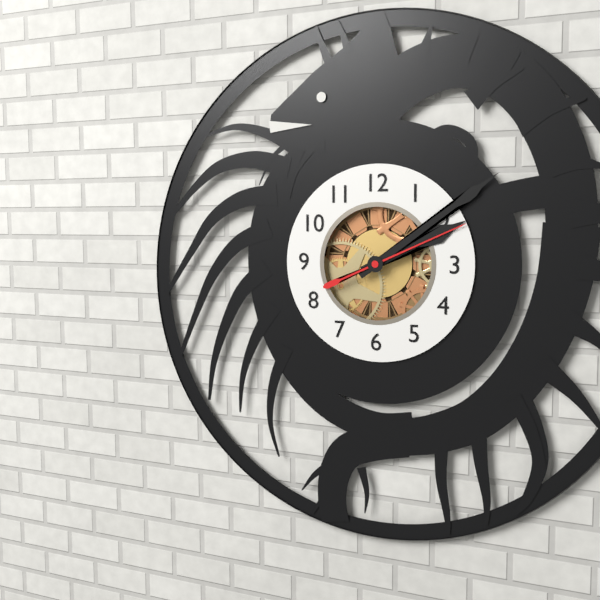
2:09:11
